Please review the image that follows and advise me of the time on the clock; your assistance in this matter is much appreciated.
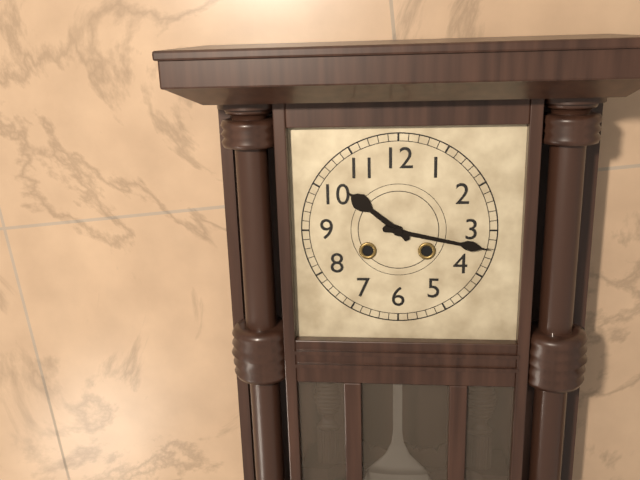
10:17
